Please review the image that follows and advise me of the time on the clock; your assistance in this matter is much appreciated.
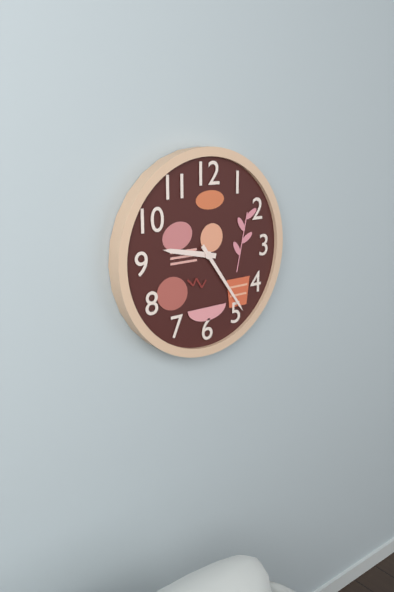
9:24
